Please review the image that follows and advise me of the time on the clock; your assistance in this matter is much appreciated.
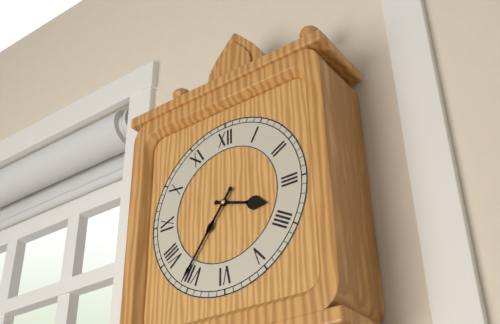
3:36
